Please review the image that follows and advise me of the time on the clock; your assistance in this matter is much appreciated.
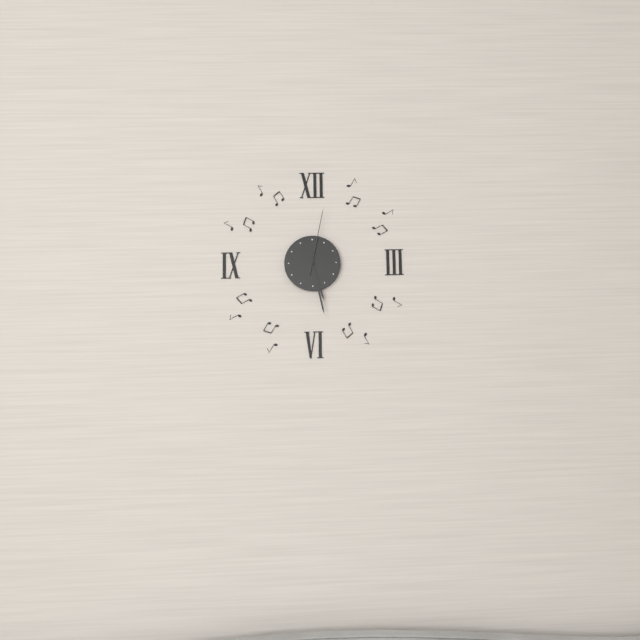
5:28:02
